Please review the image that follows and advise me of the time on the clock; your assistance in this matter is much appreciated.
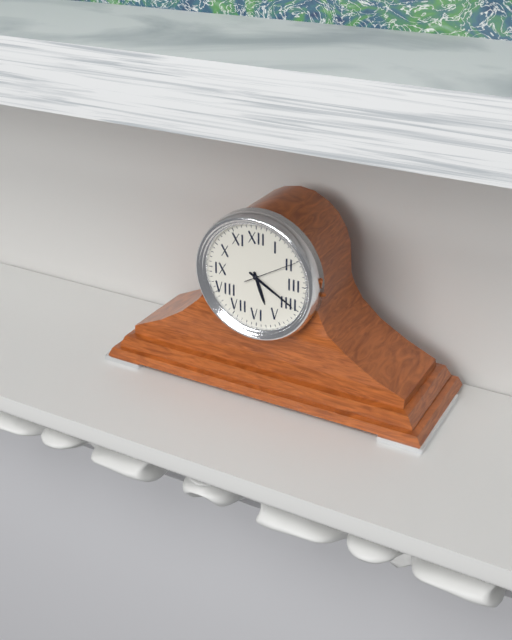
5:20:10
